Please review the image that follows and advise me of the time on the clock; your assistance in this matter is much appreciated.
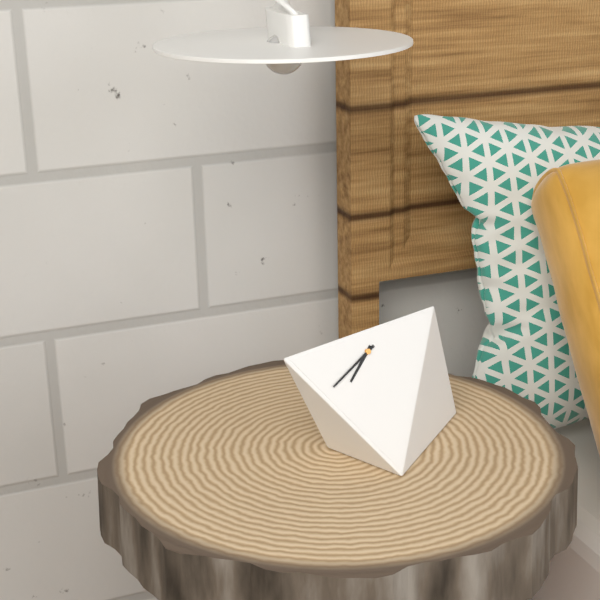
7:41
